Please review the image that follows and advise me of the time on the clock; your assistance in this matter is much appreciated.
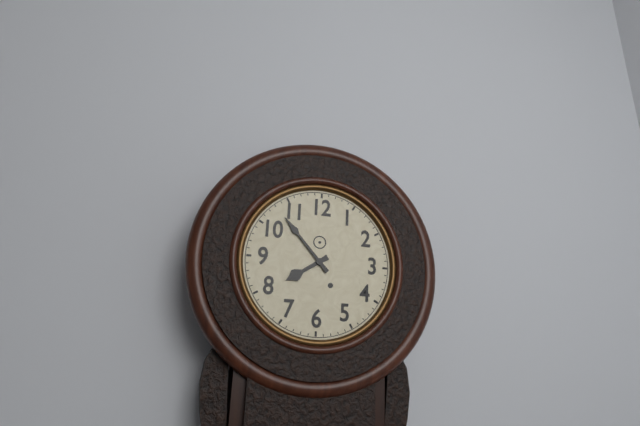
7:53
